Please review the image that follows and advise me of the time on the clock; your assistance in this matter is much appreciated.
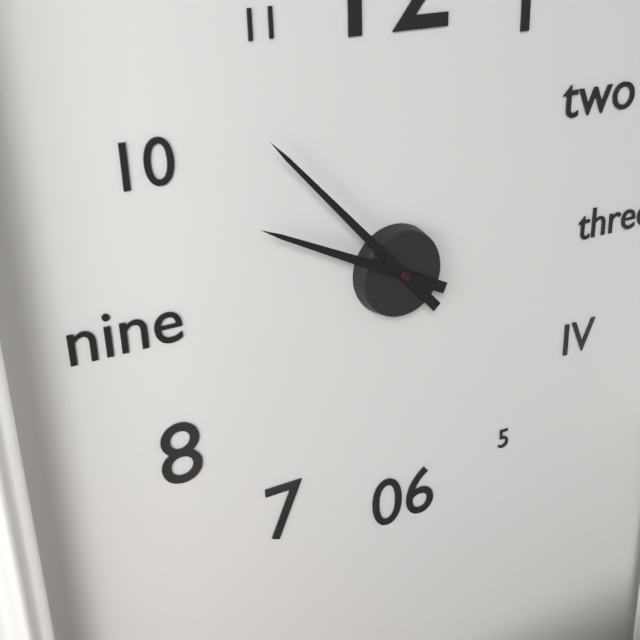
9:53
